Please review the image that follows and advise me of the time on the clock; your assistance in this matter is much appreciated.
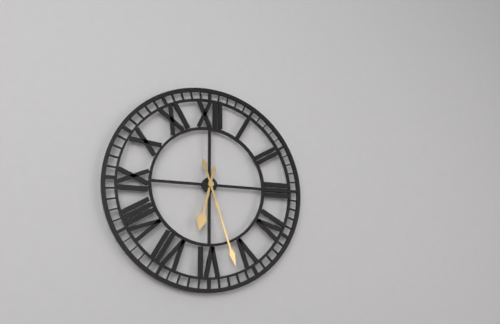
6:27
